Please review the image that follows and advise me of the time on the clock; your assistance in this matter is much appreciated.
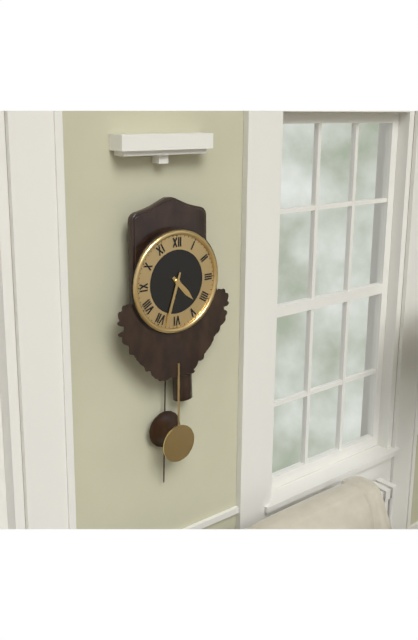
4:33
